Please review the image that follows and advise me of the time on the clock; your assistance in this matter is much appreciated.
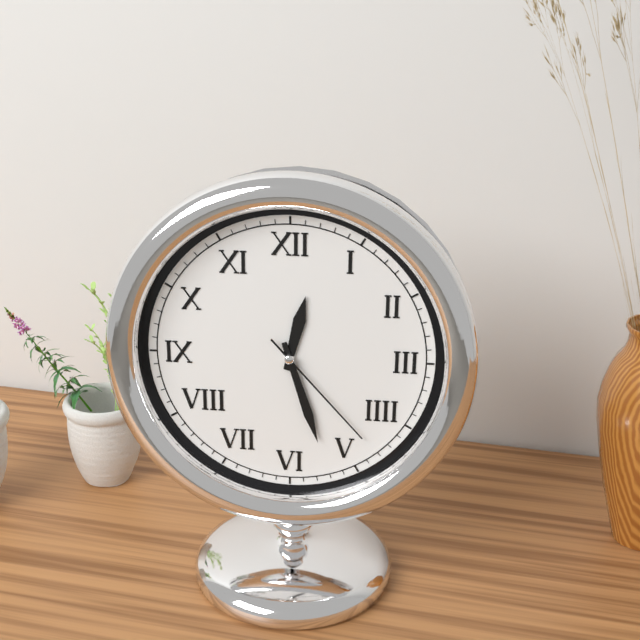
12:27:23
